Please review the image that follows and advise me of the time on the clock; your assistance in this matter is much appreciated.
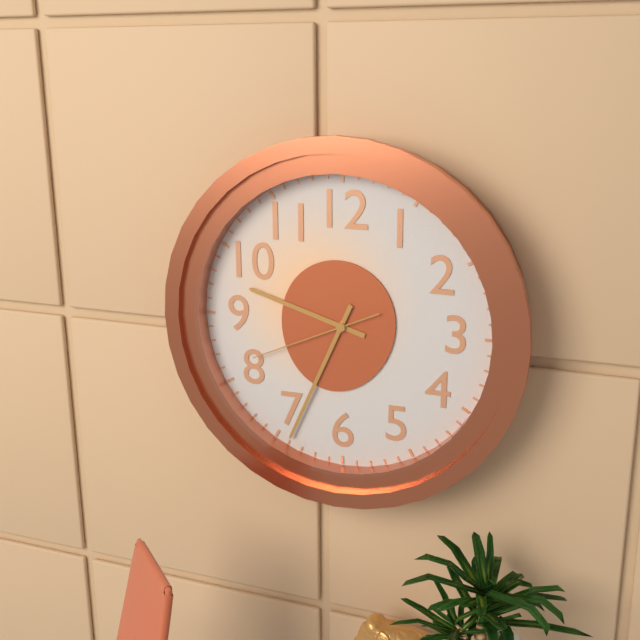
9:34:41
